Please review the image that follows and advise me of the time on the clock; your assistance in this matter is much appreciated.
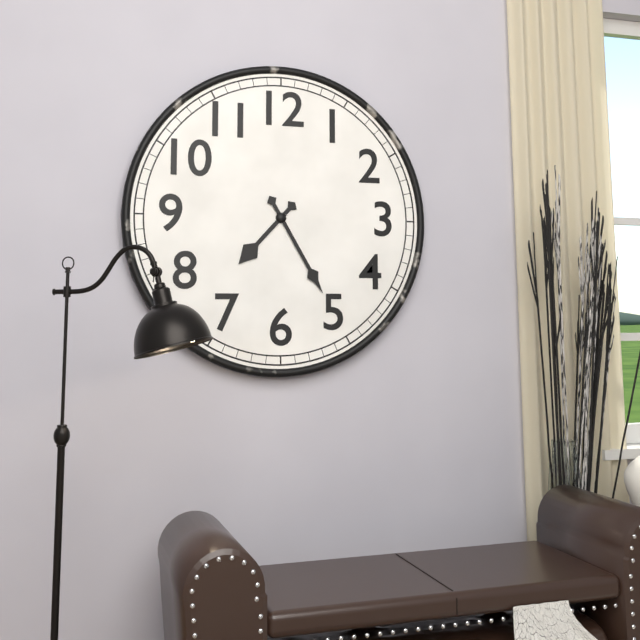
7:25
